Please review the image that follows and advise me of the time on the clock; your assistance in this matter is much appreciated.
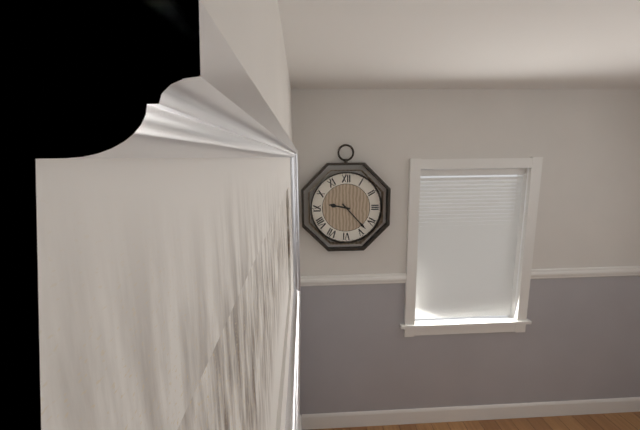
9:23
